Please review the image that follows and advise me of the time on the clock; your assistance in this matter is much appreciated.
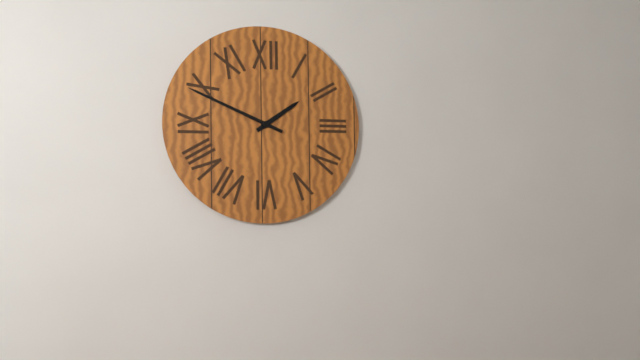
1:49
